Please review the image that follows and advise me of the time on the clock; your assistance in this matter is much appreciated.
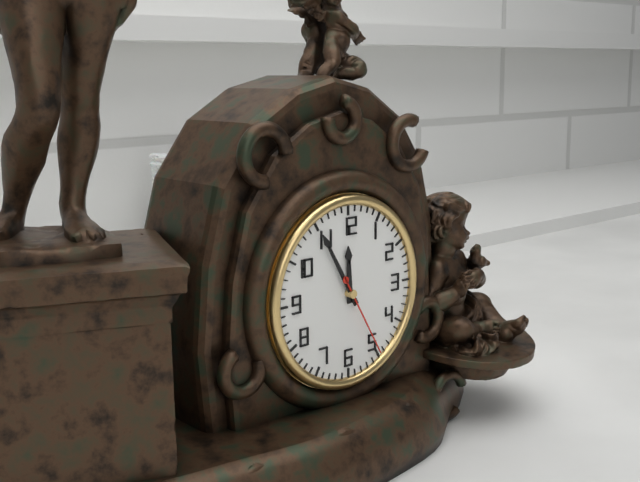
11:55:25
